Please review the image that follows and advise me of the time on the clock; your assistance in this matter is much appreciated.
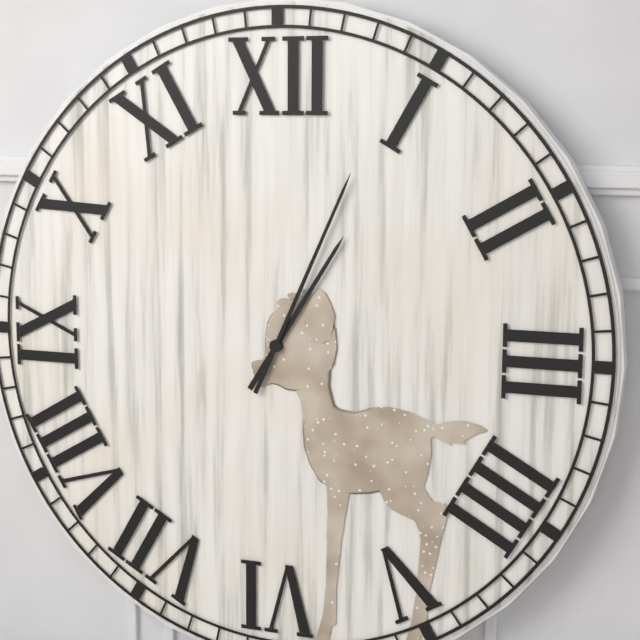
1:04
